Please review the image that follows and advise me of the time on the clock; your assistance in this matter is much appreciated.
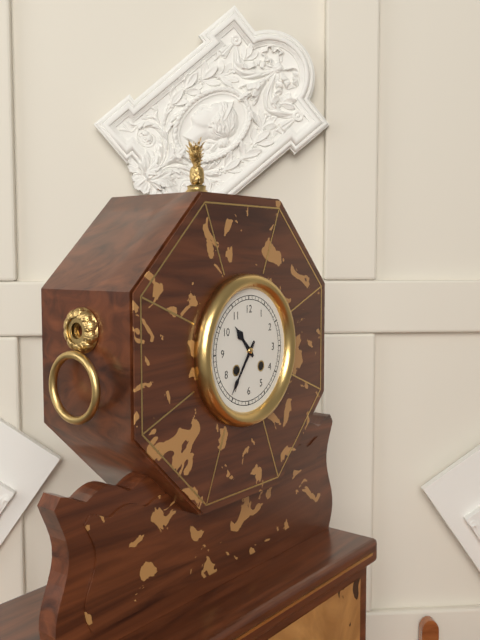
10:36
